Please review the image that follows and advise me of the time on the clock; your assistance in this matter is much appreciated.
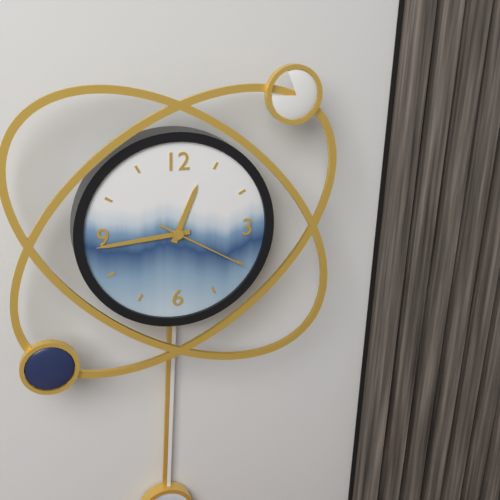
12:44:20
